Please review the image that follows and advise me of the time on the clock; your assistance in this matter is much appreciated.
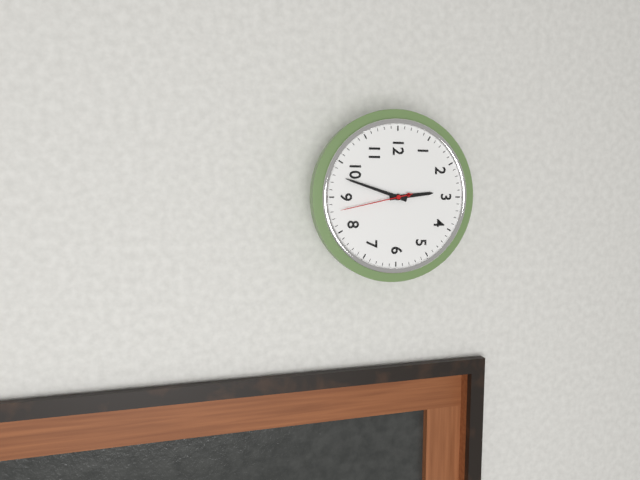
2:48:43
